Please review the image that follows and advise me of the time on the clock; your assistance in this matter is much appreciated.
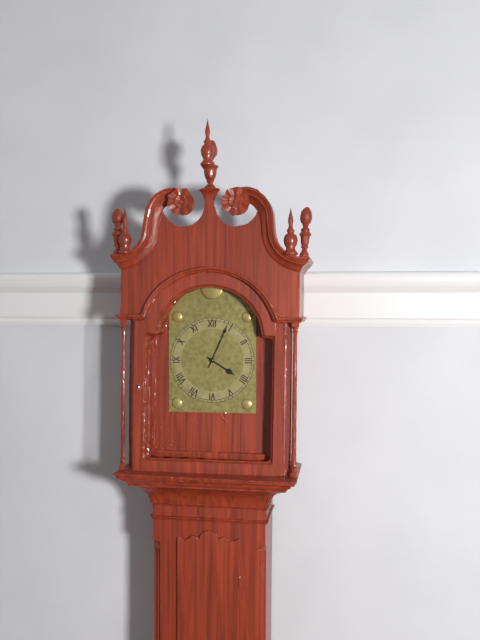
4:04
